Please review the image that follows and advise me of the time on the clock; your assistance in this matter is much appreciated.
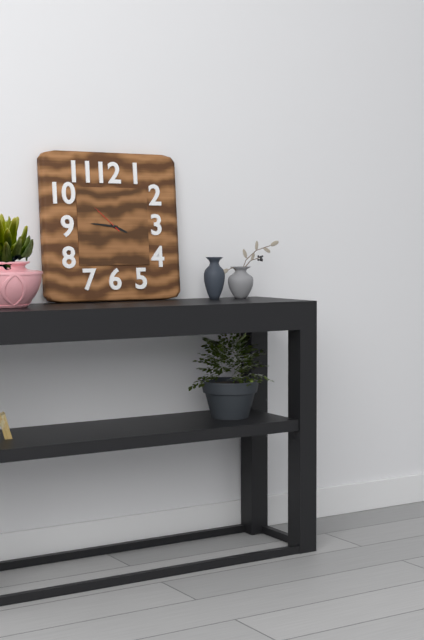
3:46
